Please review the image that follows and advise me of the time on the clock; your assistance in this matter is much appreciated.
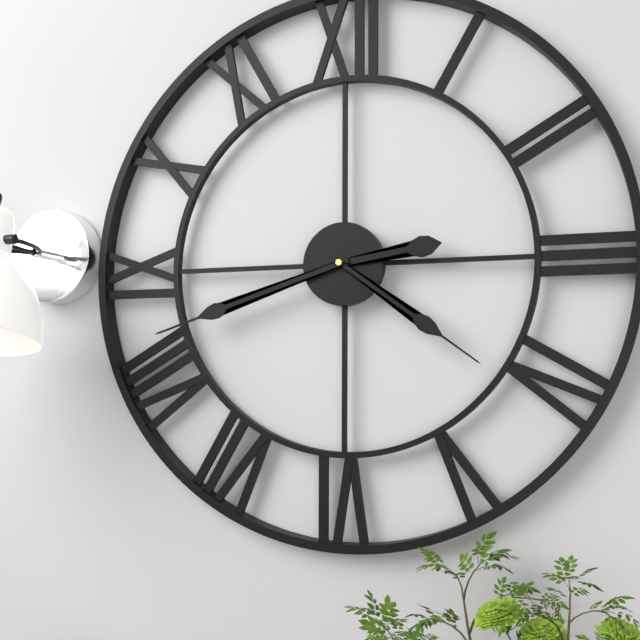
2:42:21
